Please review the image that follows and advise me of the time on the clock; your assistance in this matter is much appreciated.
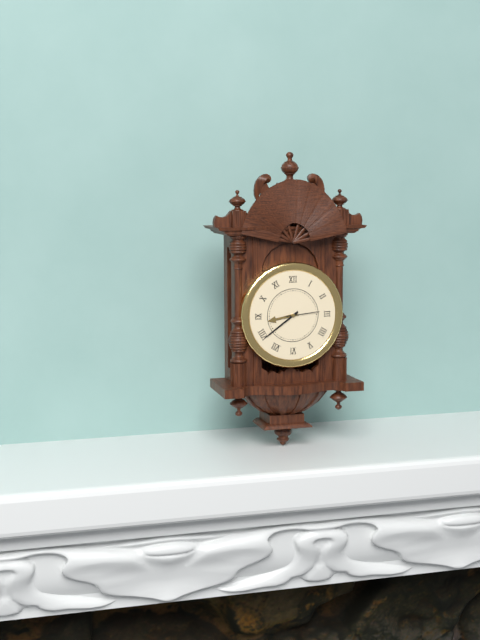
8:39
